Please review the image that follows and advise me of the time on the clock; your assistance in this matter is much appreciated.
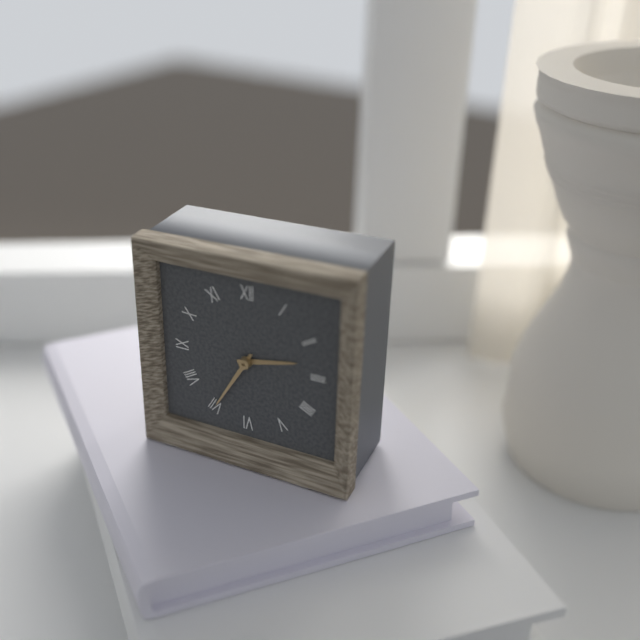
2:35
